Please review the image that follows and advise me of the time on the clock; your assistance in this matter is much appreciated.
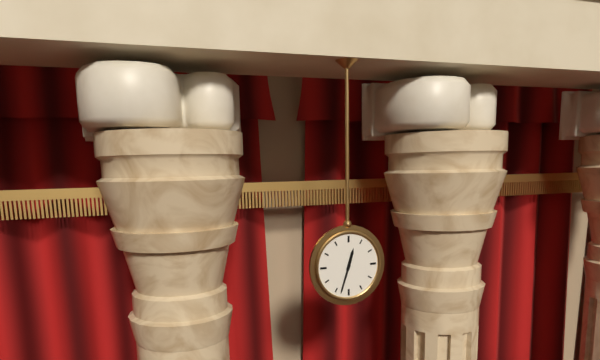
12:33
